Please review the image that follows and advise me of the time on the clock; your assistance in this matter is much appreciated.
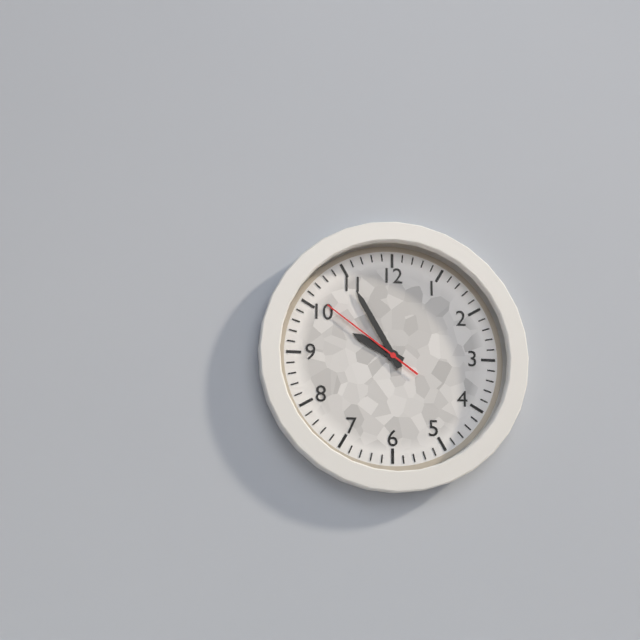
9:55:51
